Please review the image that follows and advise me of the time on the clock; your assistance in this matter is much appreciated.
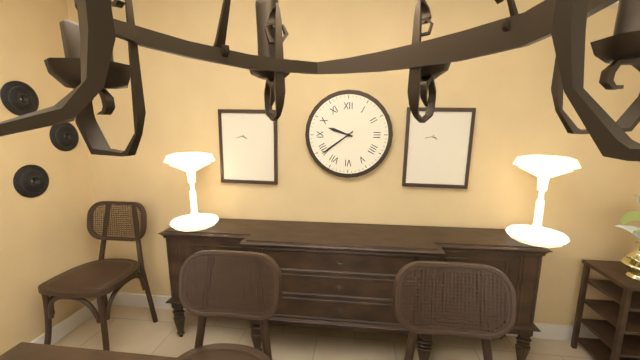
9:39
